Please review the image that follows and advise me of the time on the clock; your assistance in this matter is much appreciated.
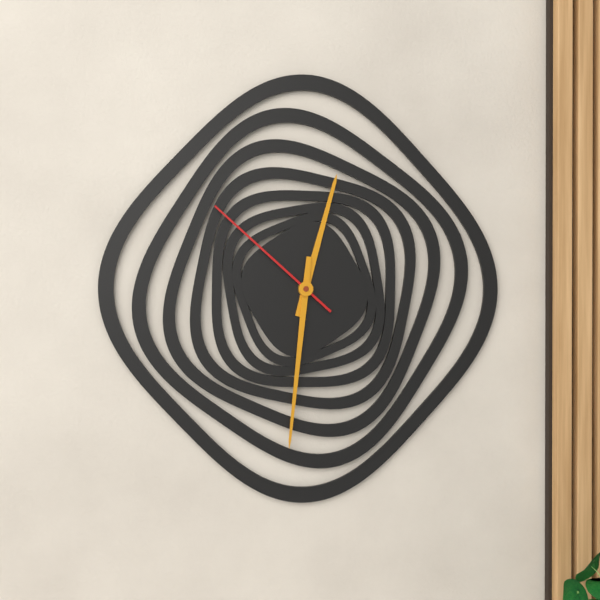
12:31:52
